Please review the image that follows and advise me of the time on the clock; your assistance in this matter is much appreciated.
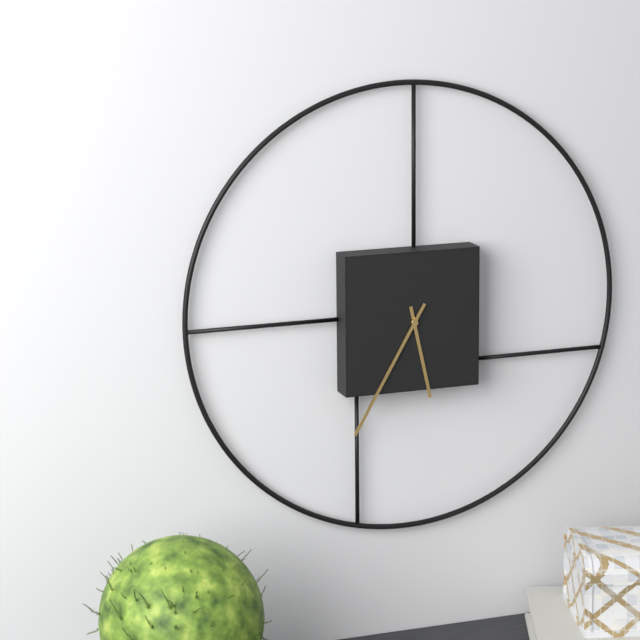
5:35
